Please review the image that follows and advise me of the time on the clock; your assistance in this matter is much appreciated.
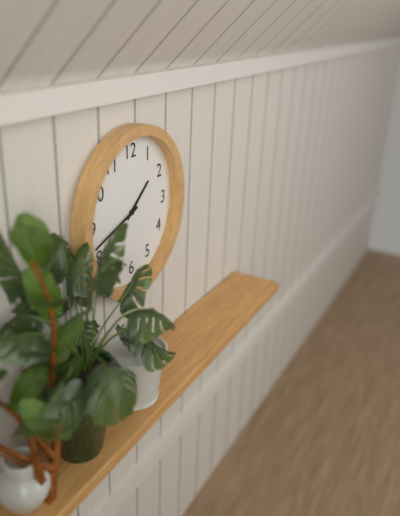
1:42
